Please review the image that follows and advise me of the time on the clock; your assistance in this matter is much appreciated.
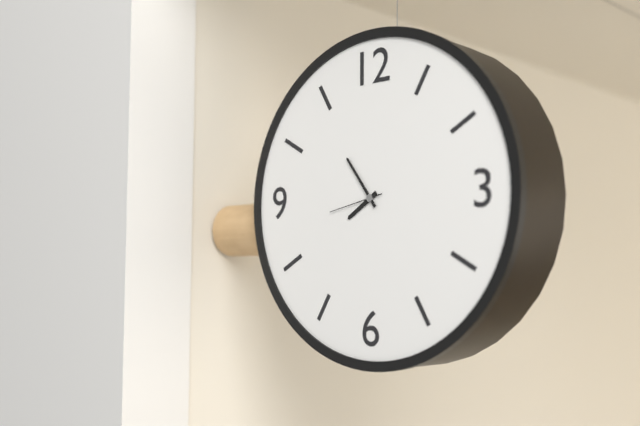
7:54:43
